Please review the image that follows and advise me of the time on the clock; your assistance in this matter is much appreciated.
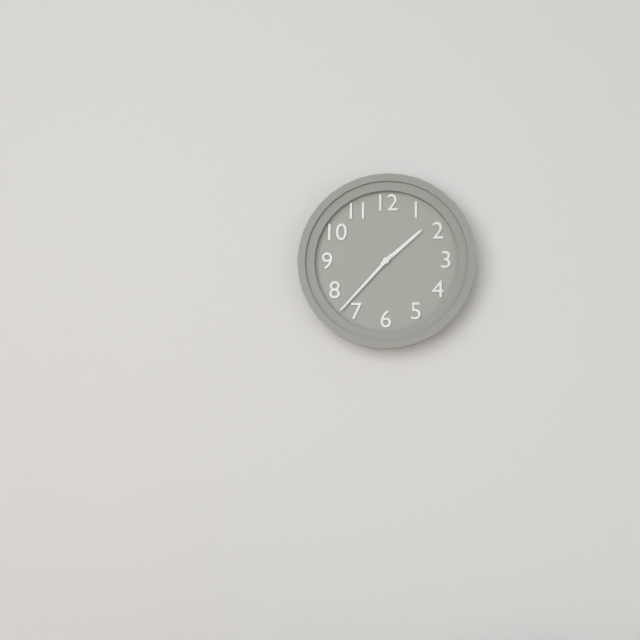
1:37
